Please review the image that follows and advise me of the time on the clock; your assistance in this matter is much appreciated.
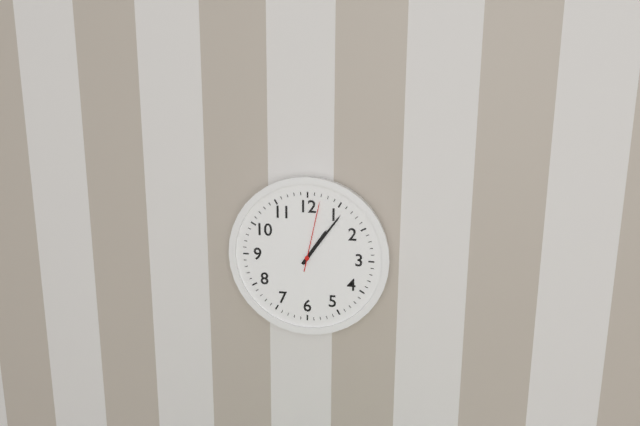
1:06:02
